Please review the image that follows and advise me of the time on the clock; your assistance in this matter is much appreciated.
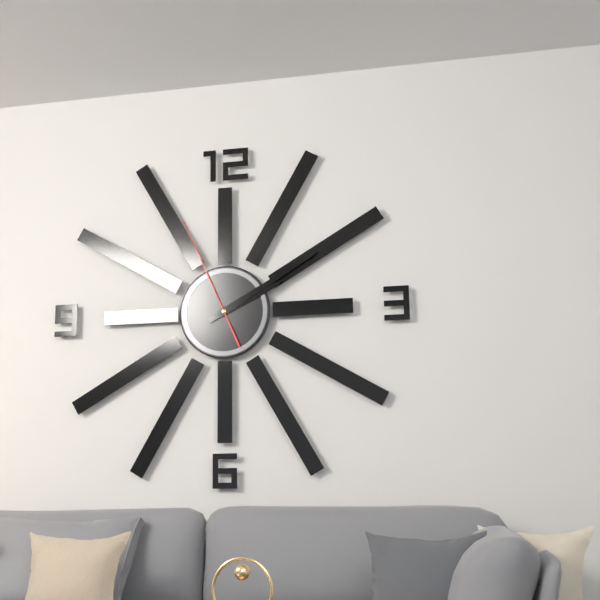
2:10:56
